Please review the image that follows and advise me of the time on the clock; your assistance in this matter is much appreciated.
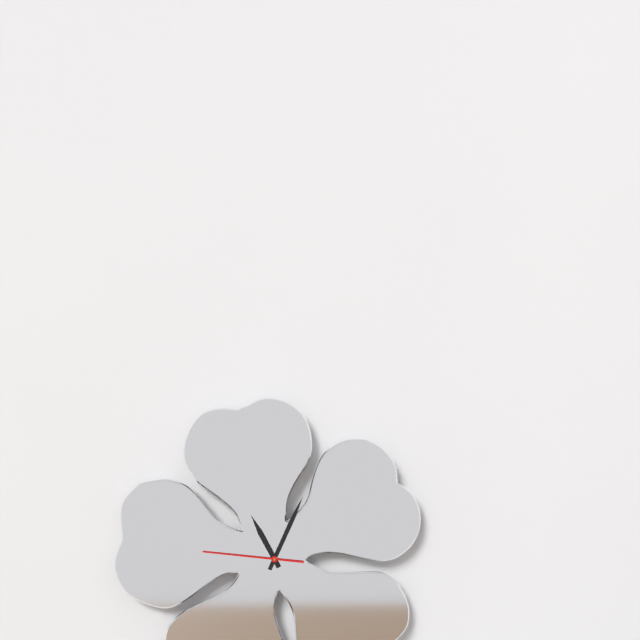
11:04:46
